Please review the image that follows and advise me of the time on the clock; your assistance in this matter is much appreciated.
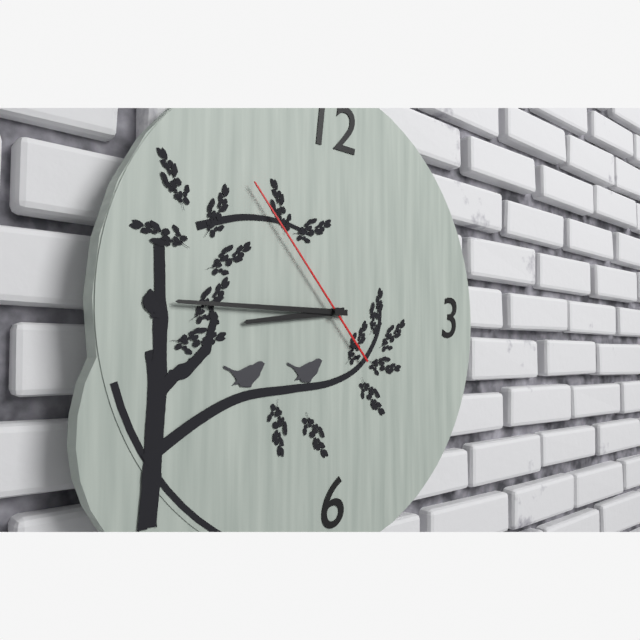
8:45:53
